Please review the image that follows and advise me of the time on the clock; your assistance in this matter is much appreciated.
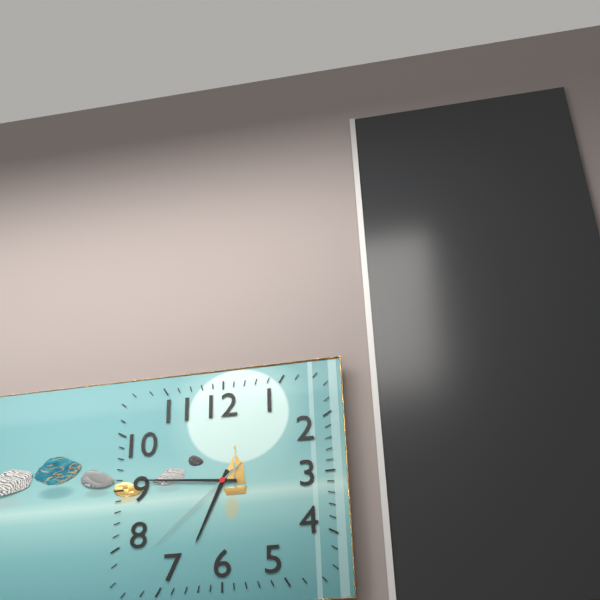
6:46:38
